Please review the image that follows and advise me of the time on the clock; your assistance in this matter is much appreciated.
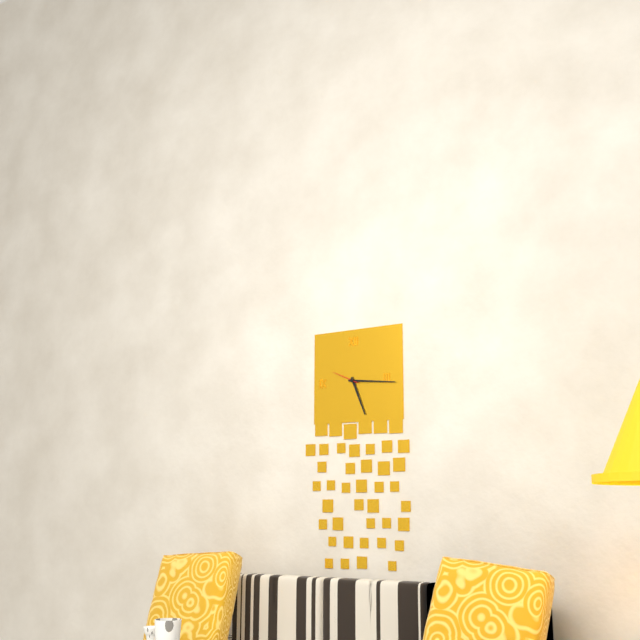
5:16
